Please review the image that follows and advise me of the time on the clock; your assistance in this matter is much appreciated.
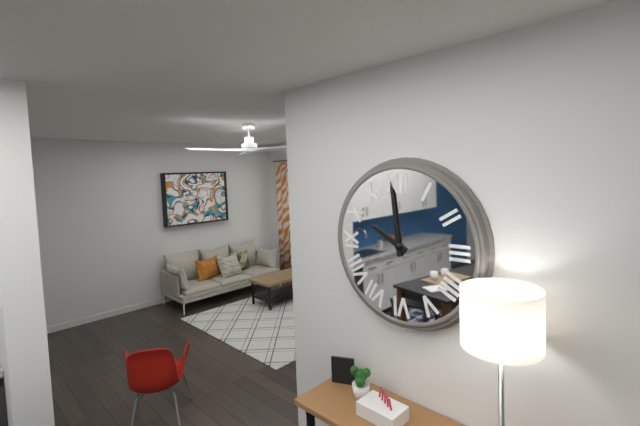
9:59
